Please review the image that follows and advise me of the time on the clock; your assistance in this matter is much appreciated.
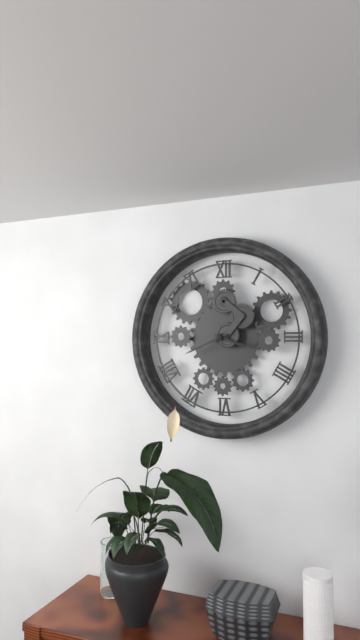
3:41
